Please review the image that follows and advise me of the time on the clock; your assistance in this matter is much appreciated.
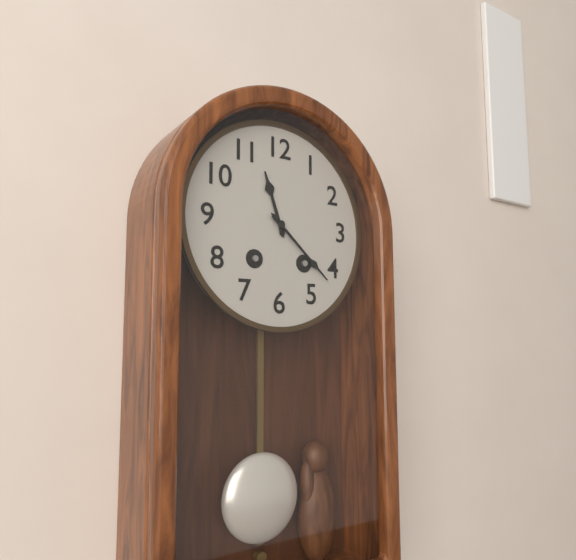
11:22
